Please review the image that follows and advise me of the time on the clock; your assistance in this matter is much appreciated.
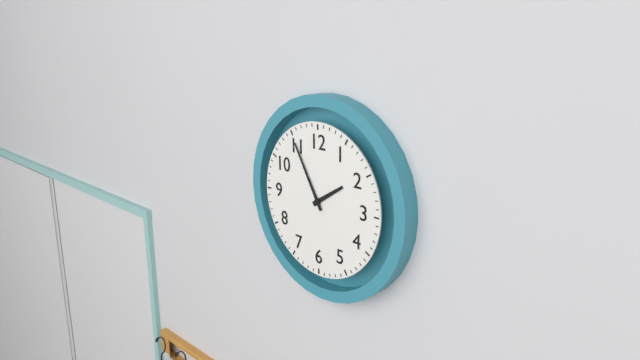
1:55
